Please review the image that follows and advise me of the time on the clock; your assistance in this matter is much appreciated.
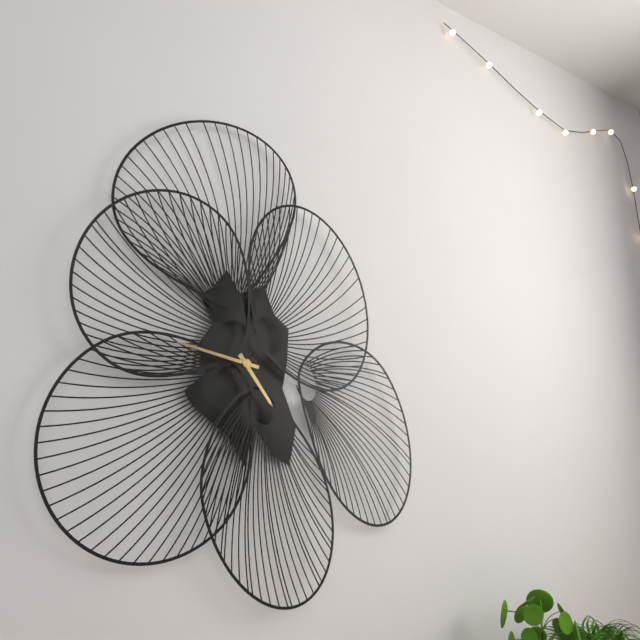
4:47
